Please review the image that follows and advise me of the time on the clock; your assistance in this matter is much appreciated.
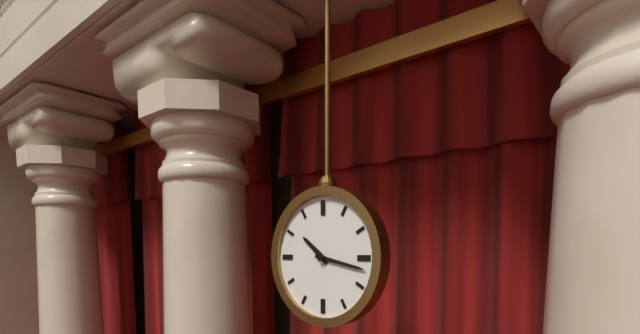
10:17
